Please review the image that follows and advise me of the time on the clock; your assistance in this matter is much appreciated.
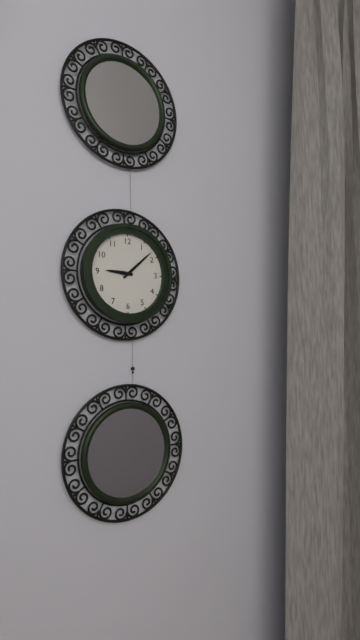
9:08
